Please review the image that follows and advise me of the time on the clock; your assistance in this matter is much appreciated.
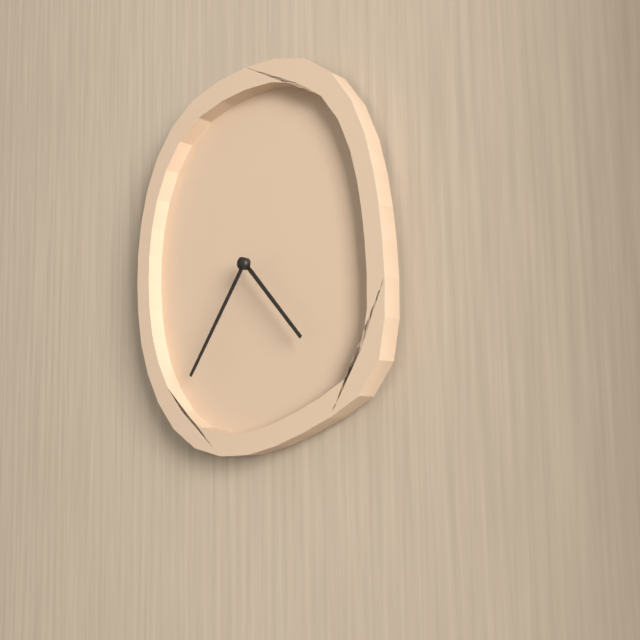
4:36
